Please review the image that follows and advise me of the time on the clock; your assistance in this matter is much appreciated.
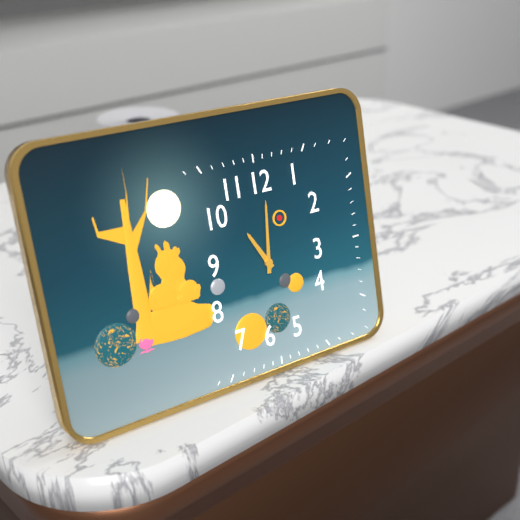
11:01
